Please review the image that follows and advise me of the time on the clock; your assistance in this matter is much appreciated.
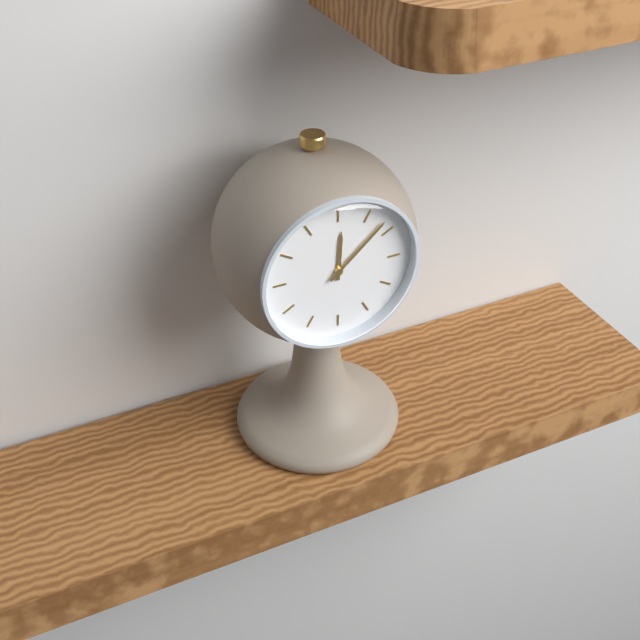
12:08
